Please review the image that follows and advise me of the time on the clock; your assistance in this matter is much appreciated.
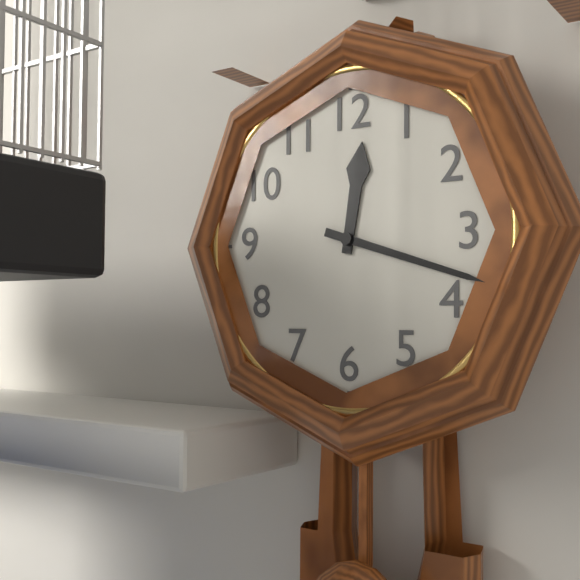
12:18
